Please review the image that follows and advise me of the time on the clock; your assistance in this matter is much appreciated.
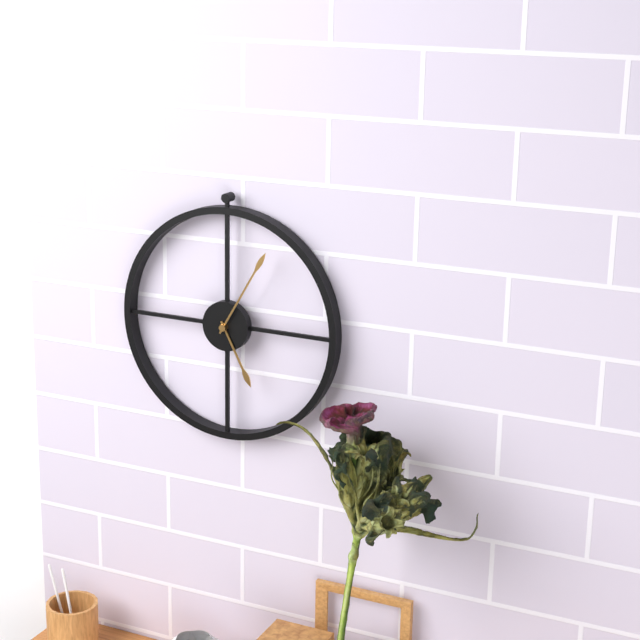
5:05
